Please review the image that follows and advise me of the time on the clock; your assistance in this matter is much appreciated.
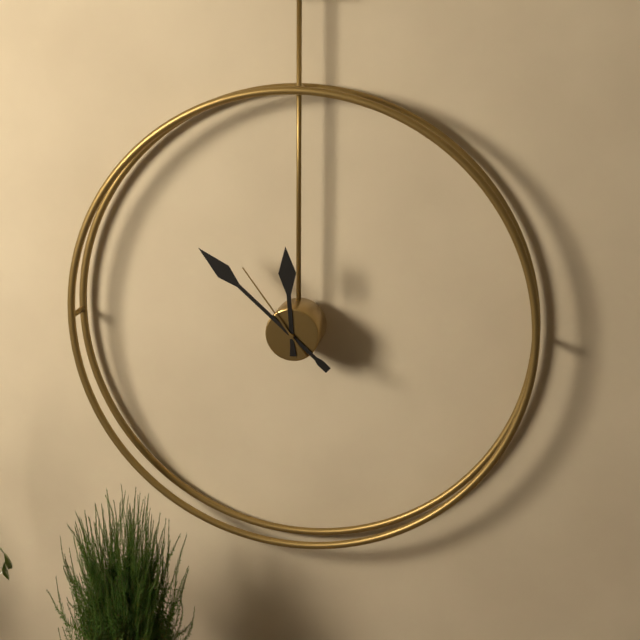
11:52:54
